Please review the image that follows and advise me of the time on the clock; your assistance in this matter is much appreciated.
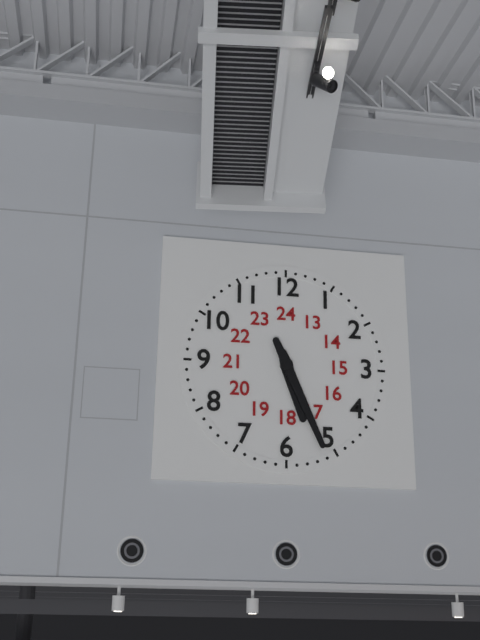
5:26
